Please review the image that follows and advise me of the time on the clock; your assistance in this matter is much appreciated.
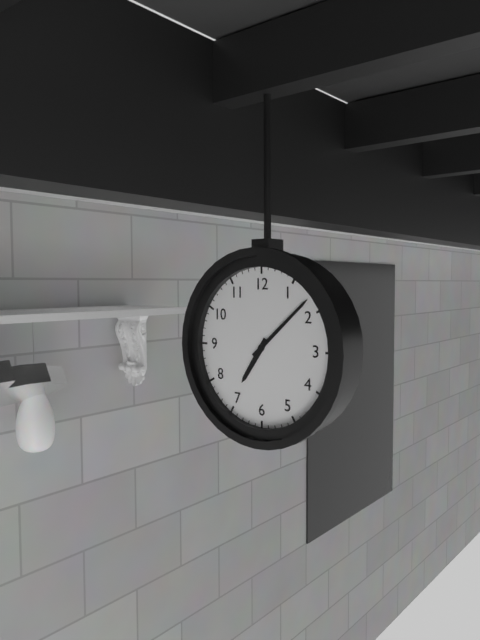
7:08
